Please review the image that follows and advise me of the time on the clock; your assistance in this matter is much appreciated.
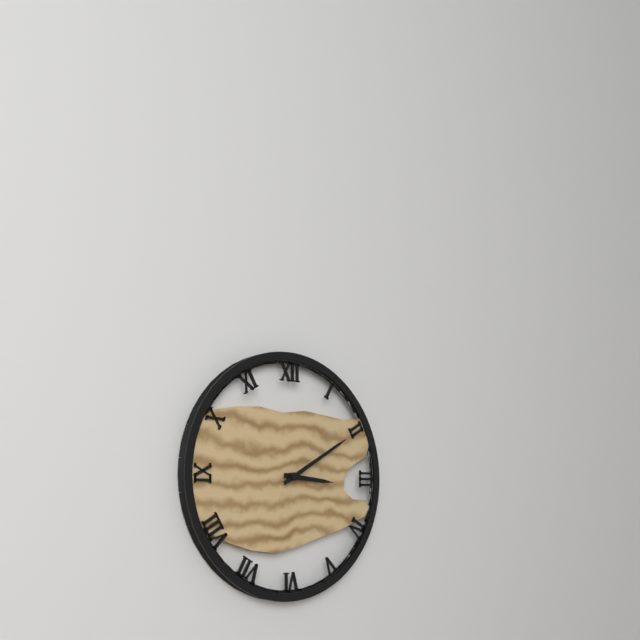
3:10
